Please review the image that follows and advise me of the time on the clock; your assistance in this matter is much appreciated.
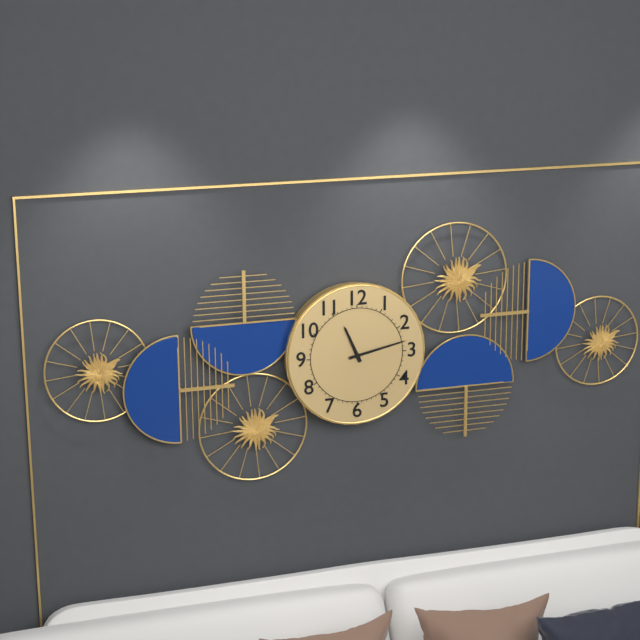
11:13
